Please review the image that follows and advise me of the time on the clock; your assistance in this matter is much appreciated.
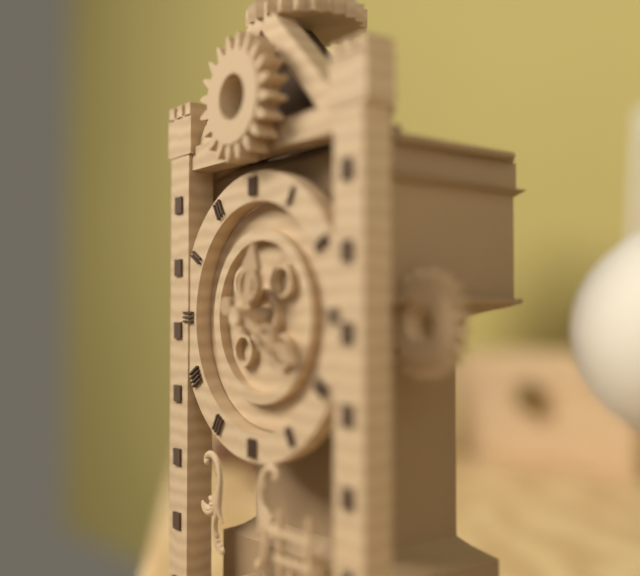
12:19
